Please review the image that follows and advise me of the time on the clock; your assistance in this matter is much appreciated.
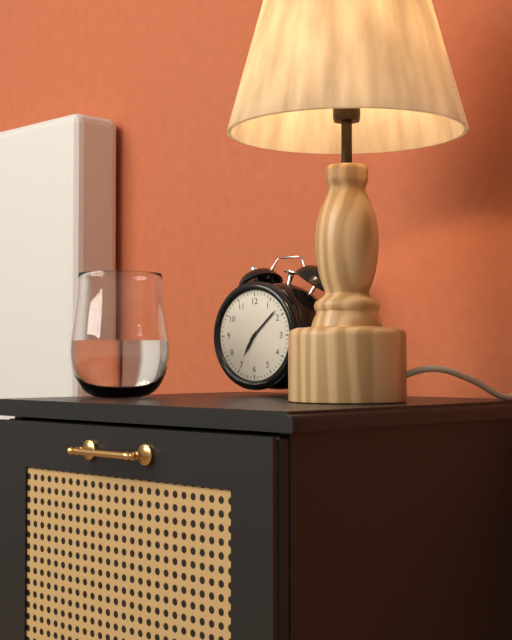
7:08
